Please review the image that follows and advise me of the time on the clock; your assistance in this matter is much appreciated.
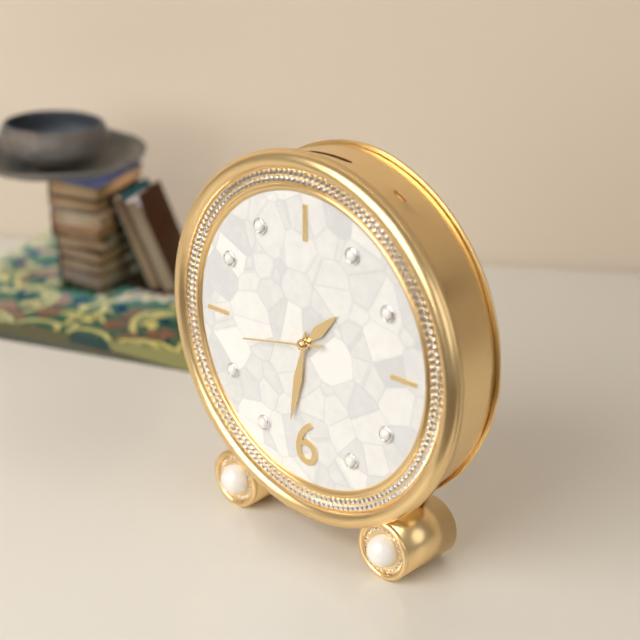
1:32:43
